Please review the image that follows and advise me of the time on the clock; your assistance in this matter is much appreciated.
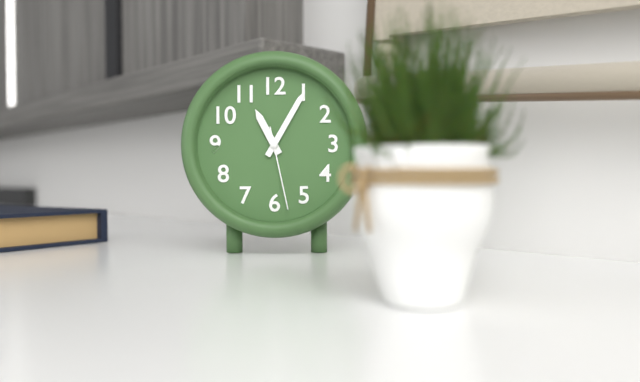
11:05:28
